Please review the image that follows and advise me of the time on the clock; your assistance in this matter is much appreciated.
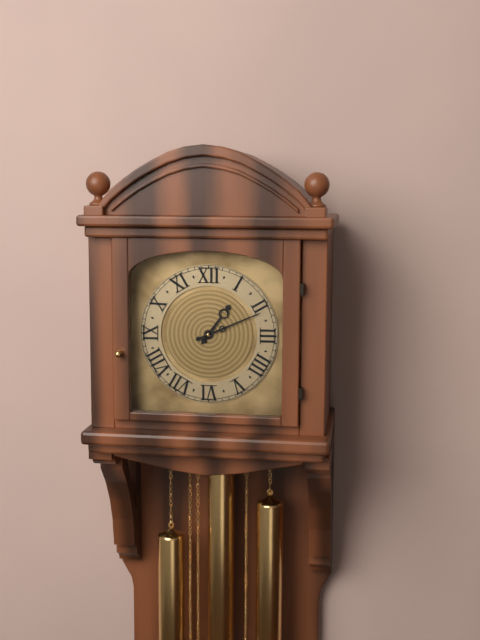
1:11
